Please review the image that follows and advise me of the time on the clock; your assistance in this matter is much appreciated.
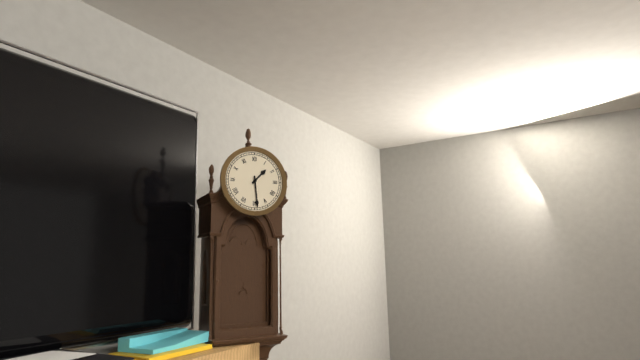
1:29
